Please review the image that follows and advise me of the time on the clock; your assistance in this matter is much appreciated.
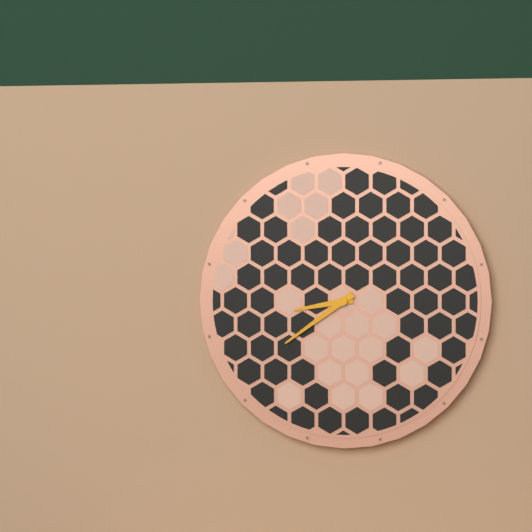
8:39
